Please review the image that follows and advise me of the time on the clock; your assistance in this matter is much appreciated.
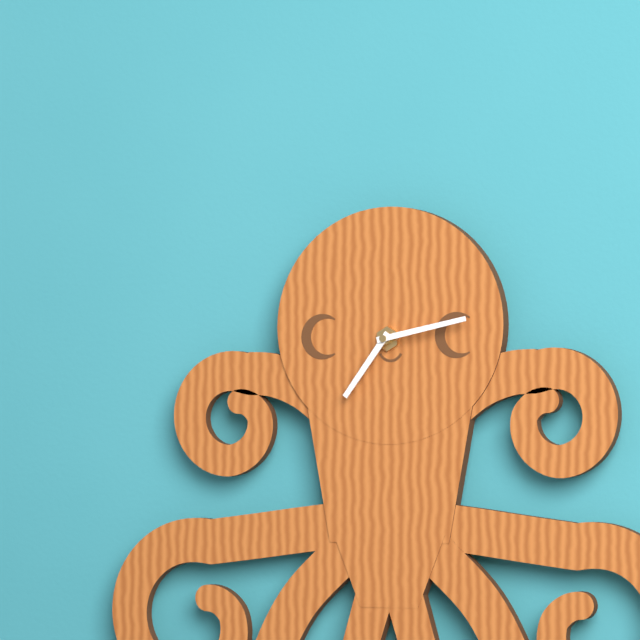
7:13
